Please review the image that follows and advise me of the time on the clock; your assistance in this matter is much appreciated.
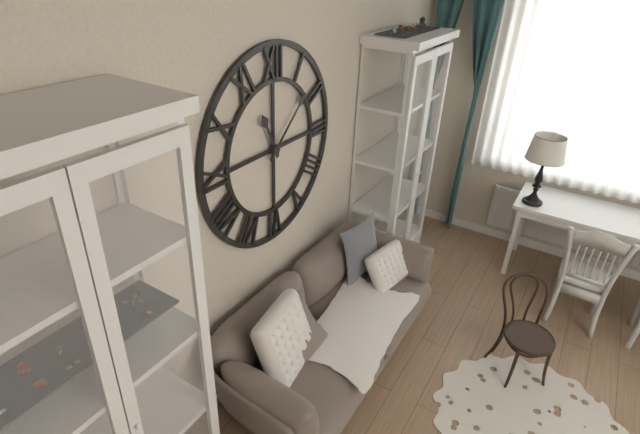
11:08
